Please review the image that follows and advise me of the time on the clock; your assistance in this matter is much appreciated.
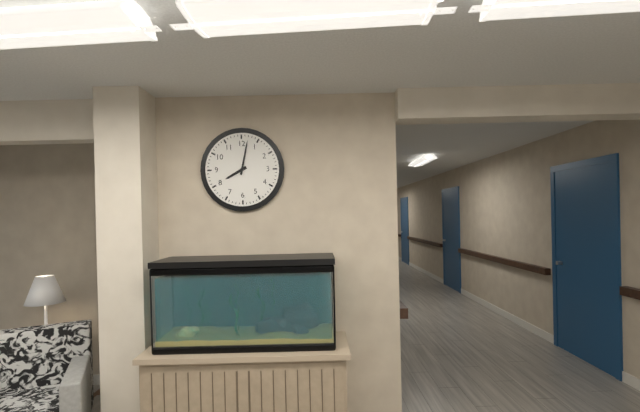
8:02
